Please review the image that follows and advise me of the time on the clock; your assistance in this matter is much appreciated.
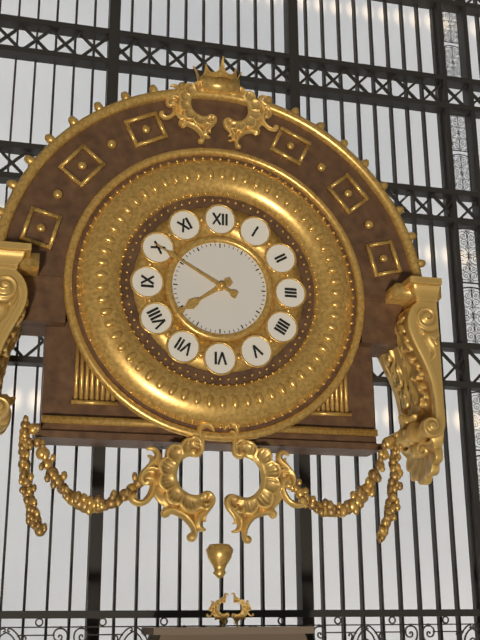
7:50
